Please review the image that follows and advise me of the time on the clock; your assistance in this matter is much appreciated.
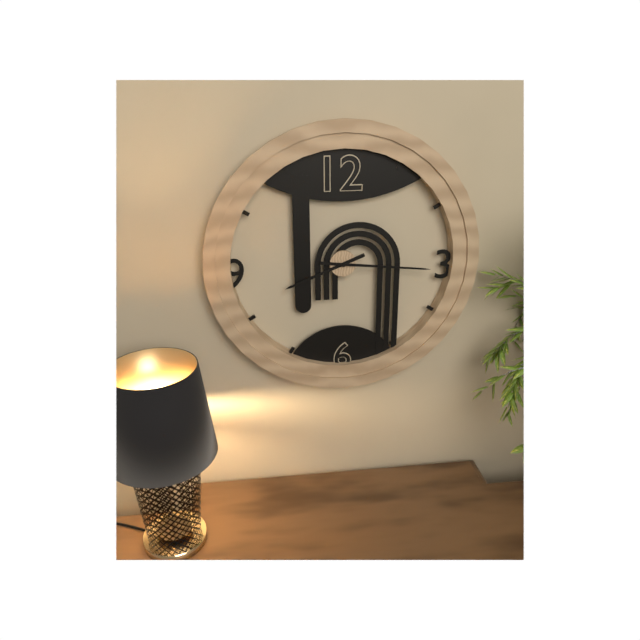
8:16
